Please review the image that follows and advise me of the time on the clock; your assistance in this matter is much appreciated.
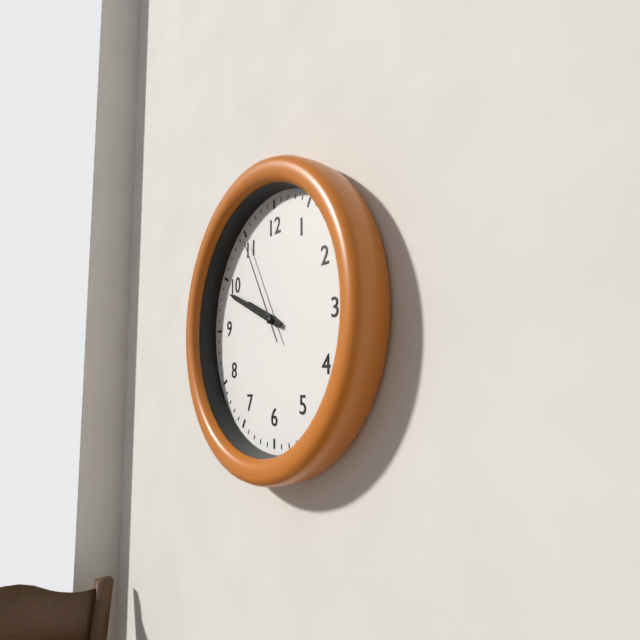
9:49:55
